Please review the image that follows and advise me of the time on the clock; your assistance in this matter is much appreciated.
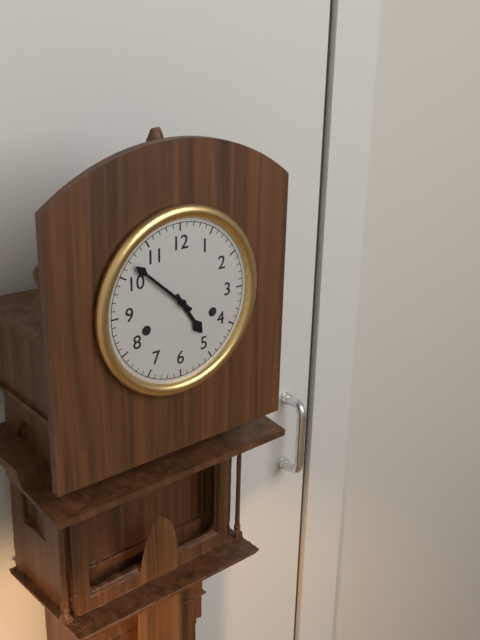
4:52
